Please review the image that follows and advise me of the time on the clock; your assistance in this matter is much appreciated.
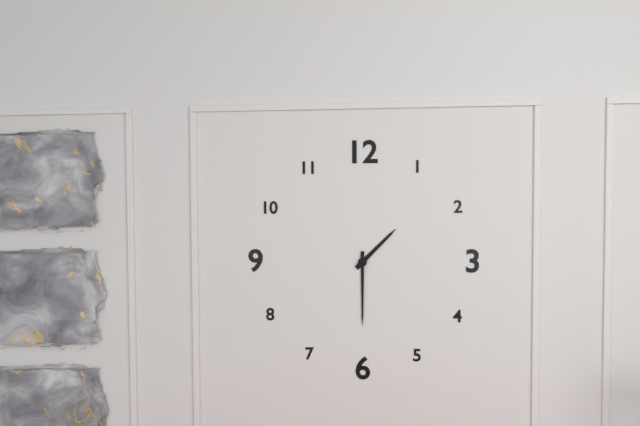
1:30
